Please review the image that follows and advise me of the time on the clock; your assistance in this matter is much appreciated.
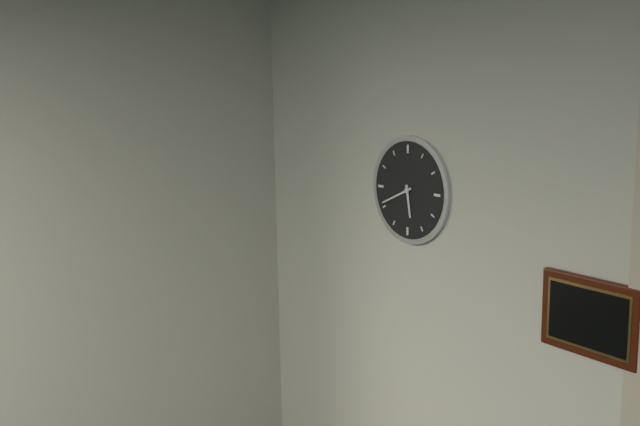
5:41
